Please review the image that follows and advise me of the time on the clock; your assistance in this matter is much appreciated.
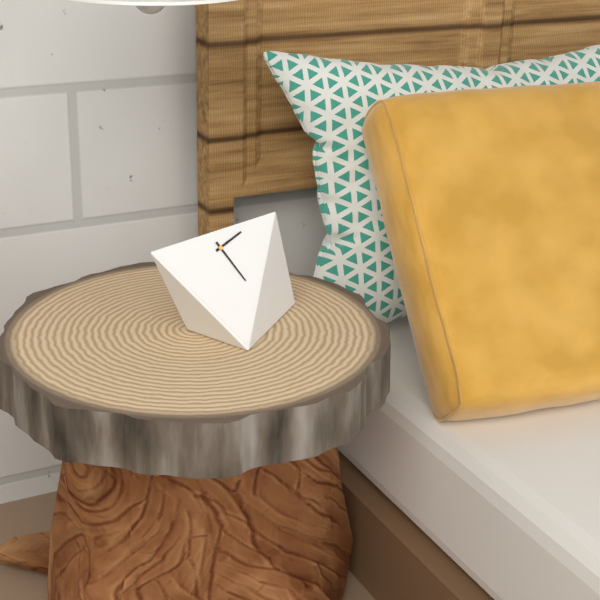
2:26
